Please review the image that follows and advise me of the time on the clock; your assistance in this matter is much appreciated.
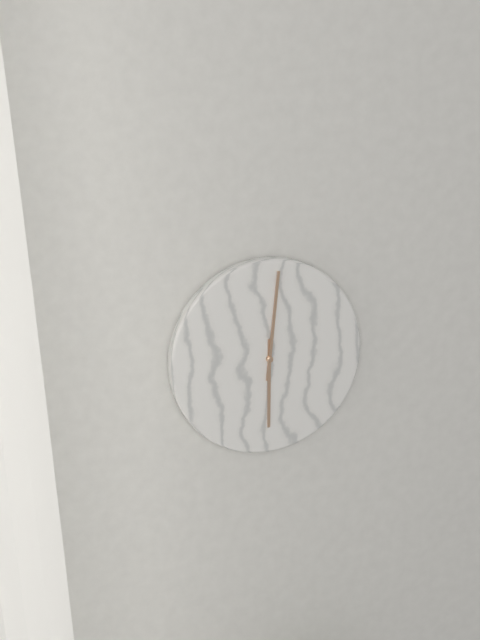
6:01
